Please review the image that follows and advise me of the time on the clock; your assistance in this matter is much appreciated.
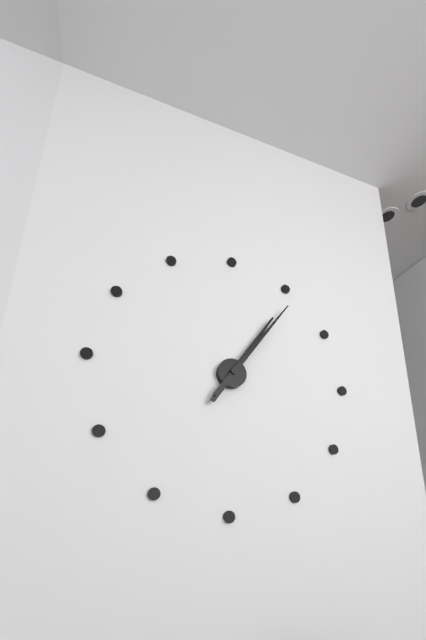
1:06
